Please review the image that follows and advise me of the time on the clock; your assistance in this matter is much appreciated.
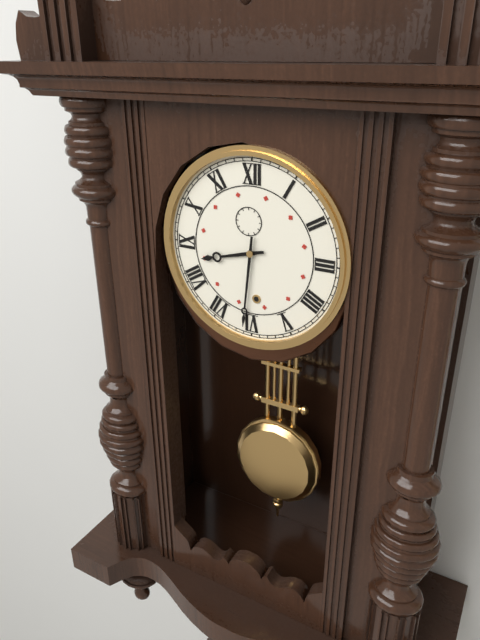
8:31
